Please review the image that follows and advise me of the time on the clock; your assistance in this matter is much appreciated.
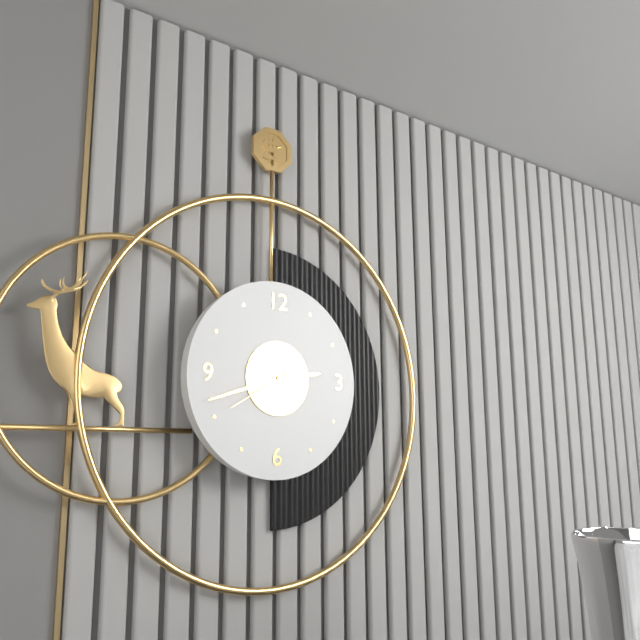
2:42:40
